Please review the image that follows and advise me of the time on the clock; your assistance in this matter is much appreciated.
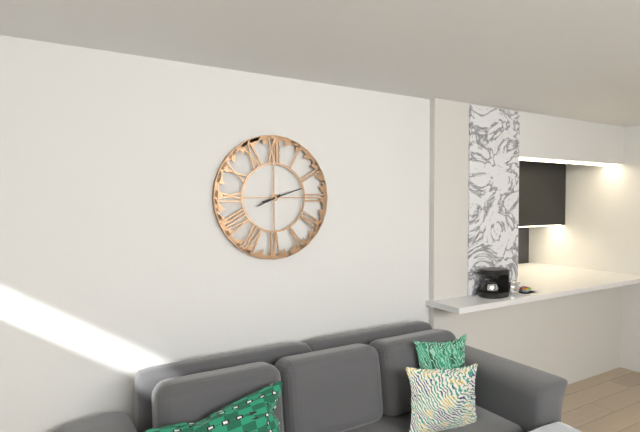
8:12
